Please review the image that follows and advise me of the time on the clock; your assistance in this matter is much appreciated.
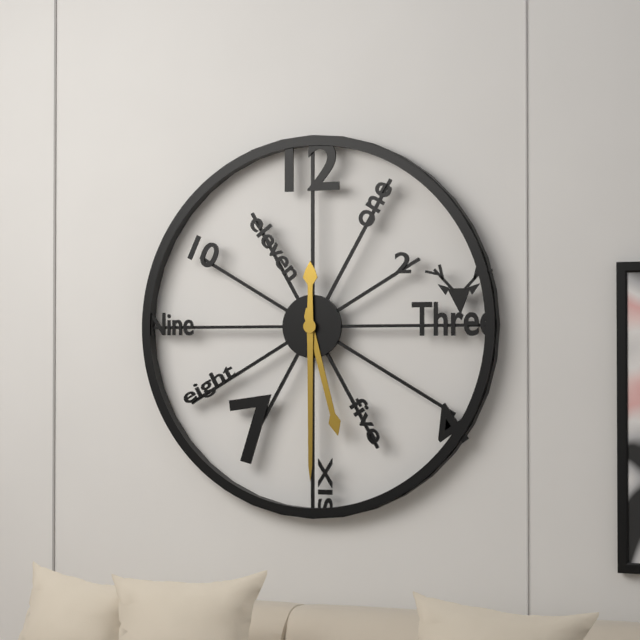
5:30
